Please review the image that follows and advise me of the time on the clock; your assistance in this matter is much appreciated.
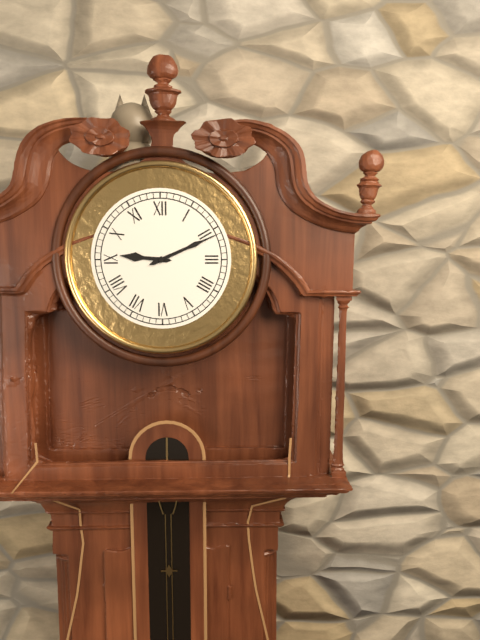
9:11
